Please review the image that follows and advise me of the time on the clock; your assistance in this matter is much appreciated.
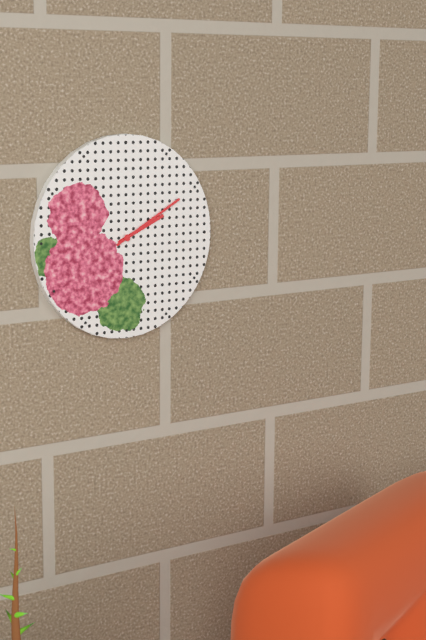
2:10
